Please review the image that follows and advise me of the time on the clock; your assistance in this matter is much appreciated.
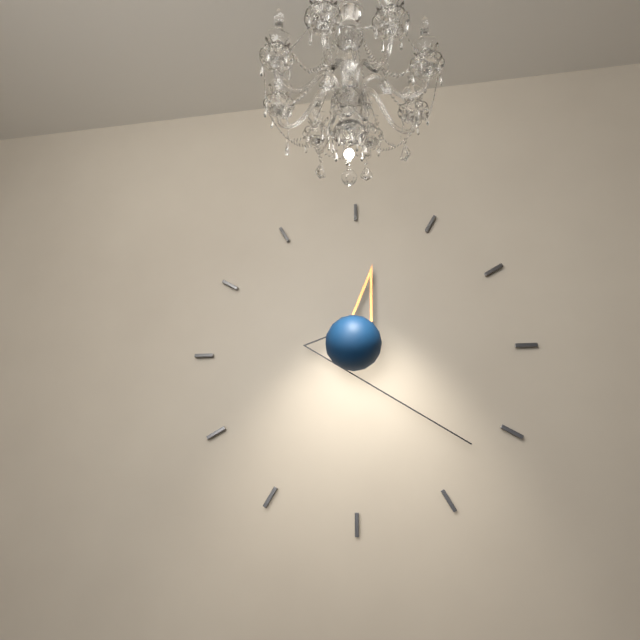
12:22
